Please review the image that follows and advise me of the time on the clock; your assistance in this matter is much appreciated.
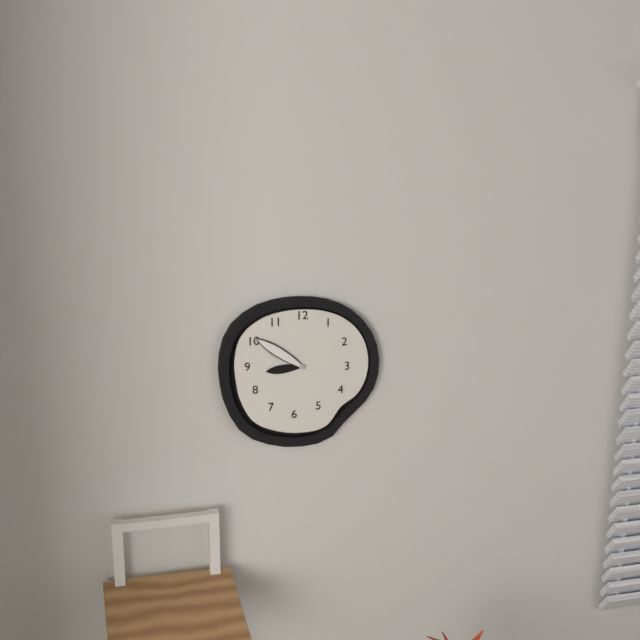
8:51
